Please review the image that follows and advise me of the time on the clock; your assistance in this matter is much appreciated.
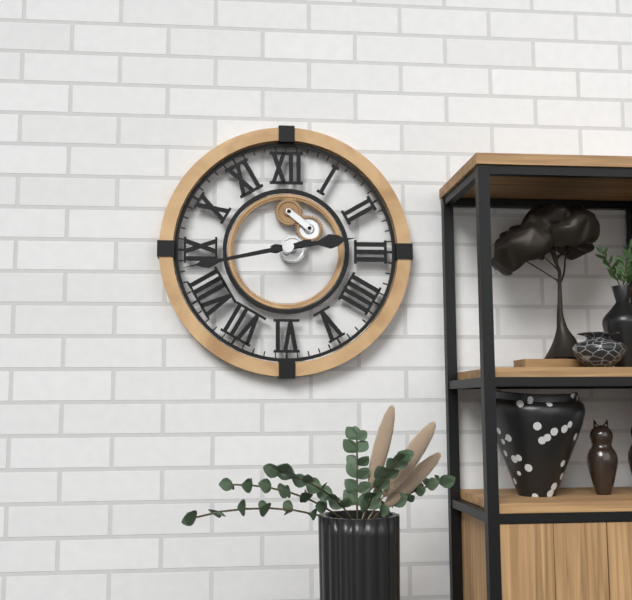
2:43
